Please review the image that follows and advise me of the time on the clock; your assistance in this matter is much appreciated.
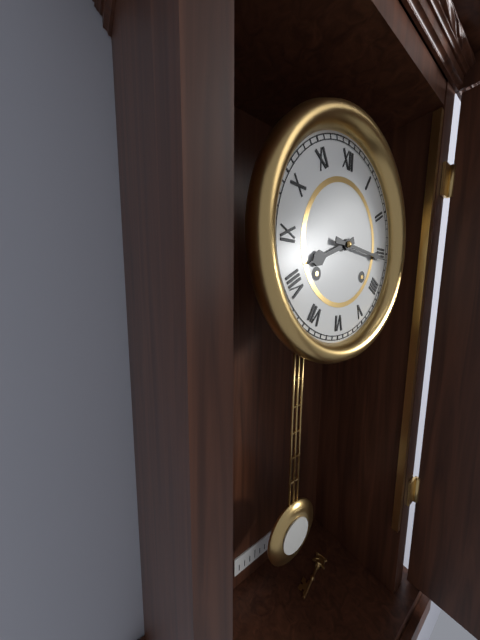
8:16
